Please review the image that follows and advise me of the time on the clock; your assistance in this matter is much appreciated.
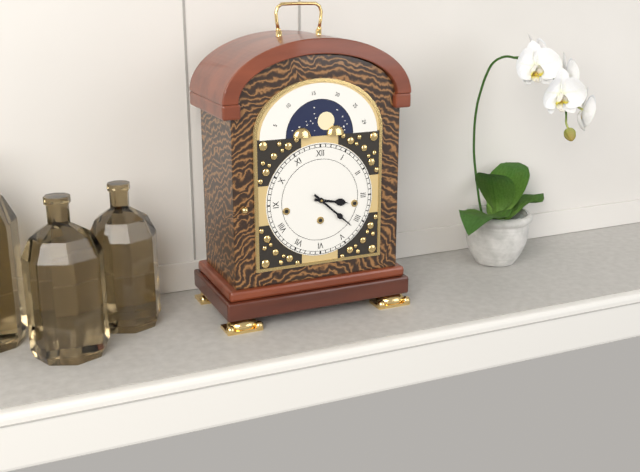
3:22
